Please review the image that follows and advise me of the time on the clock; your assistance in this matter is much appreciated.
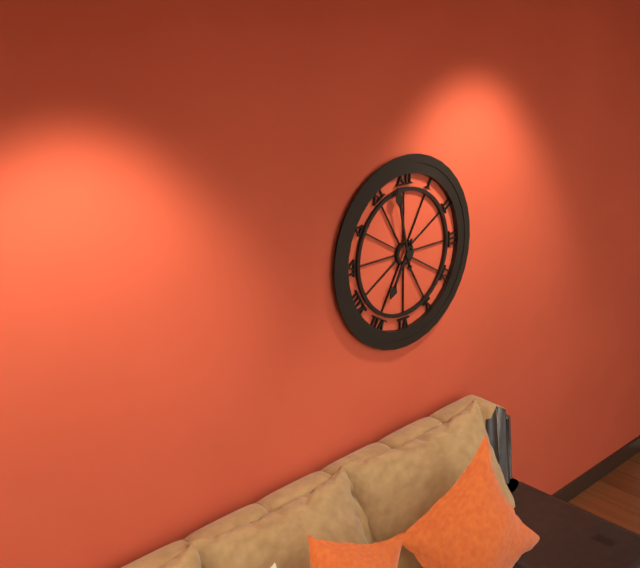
6:58
